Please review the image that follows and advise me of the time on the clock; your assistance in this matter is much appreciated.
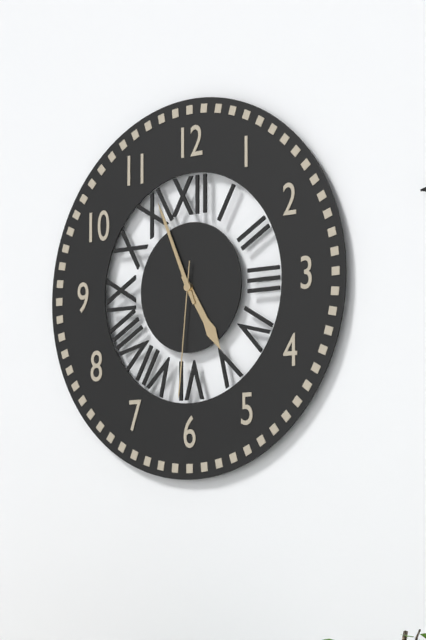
4:56:31
